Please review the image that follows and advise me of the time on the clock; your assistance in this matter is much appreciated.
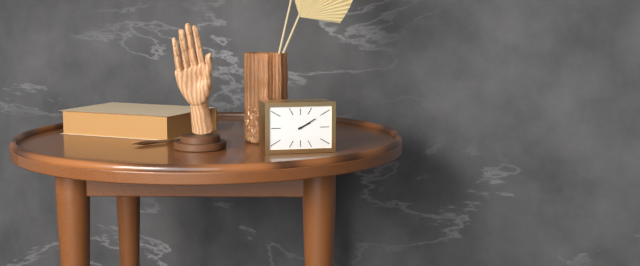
2:10
